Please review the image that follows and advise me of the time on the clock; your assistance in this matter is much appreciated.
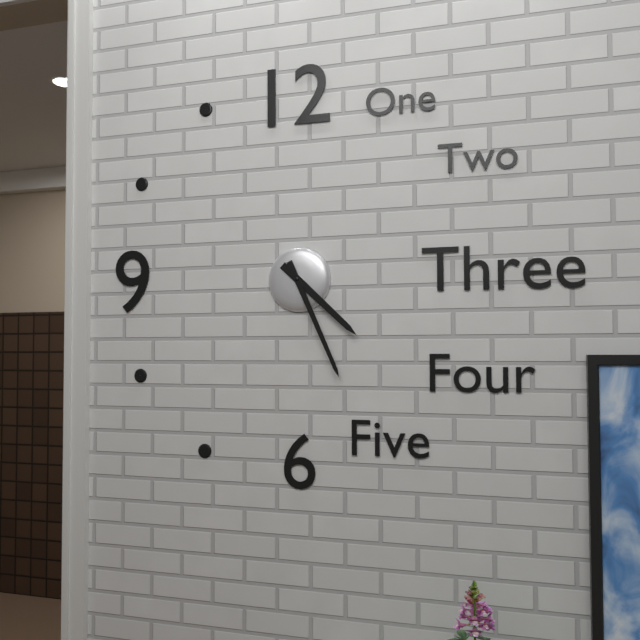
4:26
